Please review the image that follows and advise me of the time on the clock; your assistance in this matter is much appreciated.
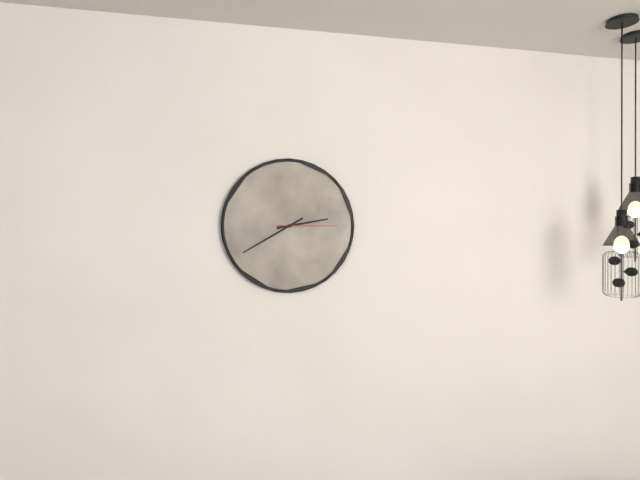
2:40:15
